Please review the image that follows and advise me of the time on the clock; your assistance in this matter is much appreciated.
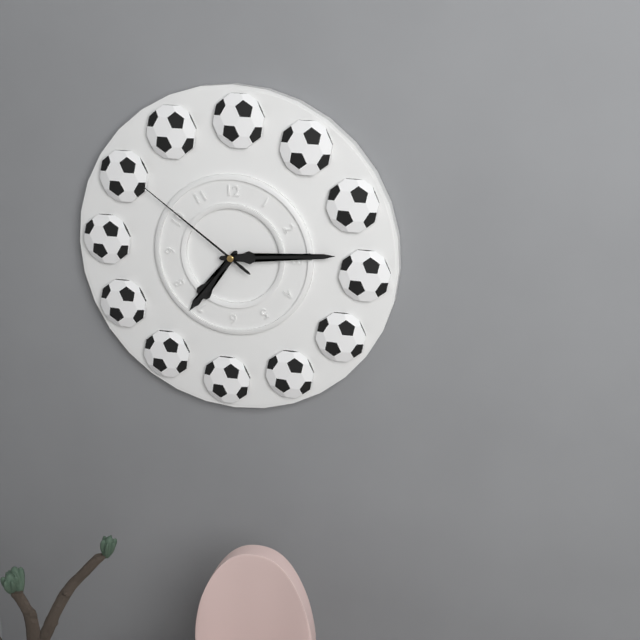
7:14:51
